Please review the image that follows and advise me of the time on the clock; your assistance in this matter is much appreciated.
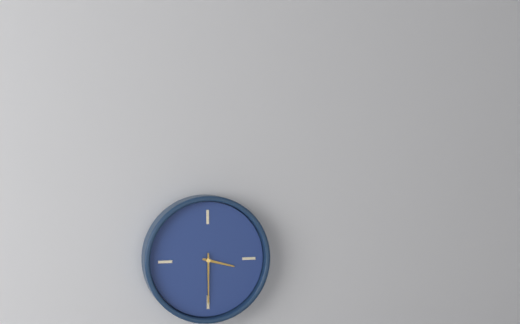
3:30
